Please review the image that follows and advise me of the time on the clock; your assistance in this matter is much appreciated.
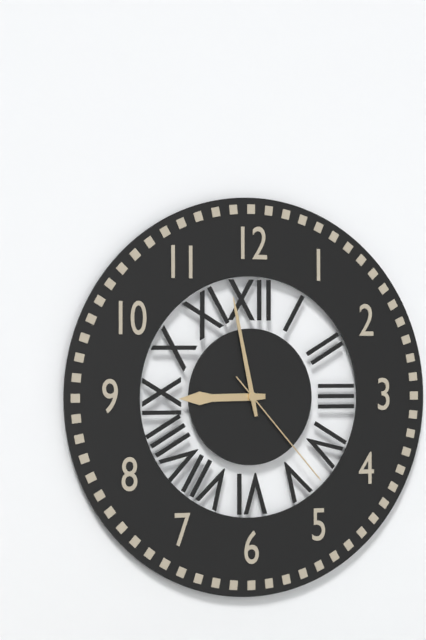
8:58:23
